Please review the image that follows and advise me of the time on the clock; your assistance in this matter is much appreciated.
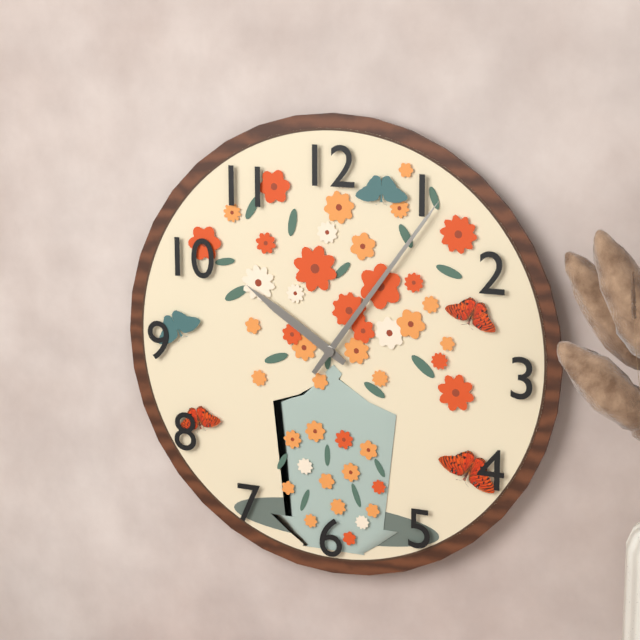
10:06
